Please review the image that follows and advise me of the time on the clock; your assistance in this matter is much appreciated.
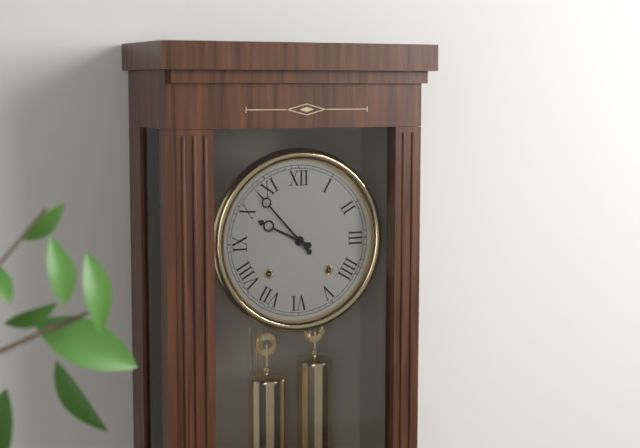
9:53
